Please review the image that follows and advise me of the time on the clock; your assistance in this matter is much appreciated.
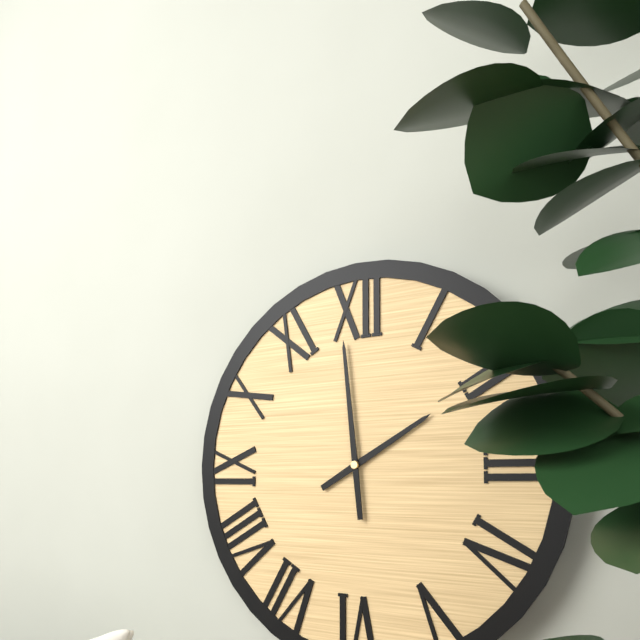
1:59
